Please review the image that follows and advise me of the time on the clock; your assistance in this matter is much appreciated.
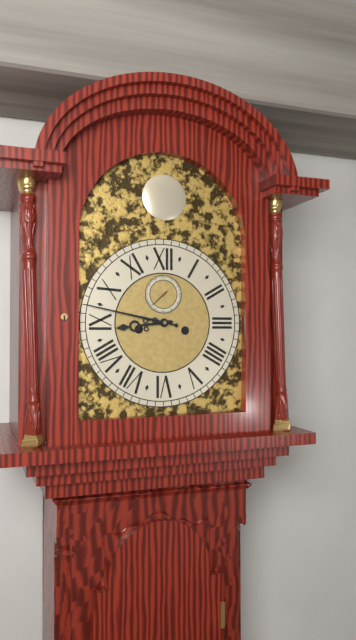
8:47
